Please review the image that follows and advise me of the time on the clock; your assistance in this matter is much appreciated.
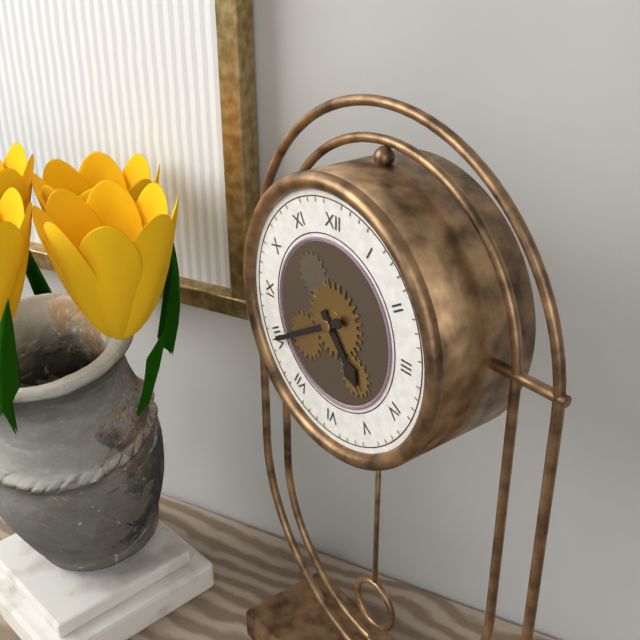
4:40
